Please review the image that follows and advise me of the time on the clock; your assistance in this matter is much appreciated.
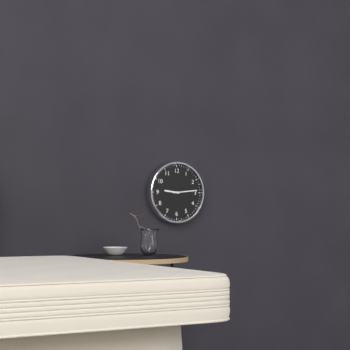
9:14
